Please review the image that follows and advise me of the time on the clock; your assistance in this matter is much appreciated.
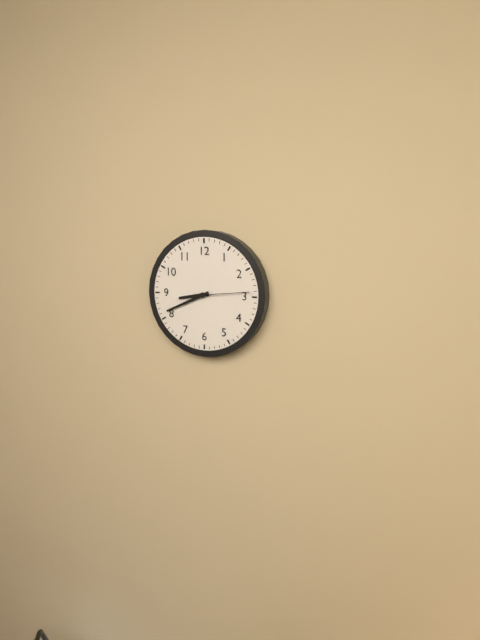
8:41:14
